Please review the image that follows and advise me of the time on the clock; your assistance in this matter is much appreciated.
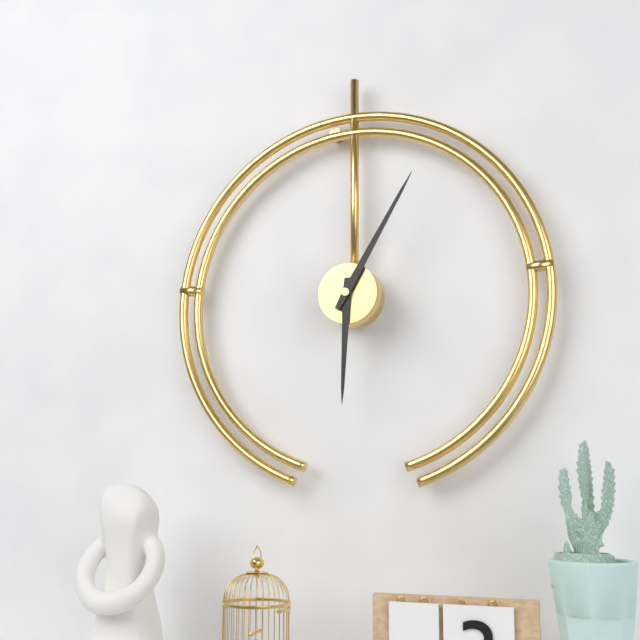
6:05
